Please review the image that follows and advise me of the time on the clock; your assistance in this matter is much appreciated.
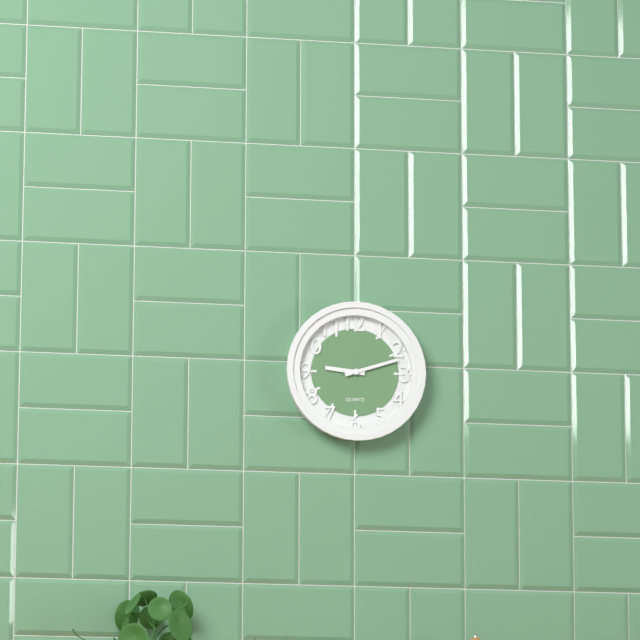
9:12
